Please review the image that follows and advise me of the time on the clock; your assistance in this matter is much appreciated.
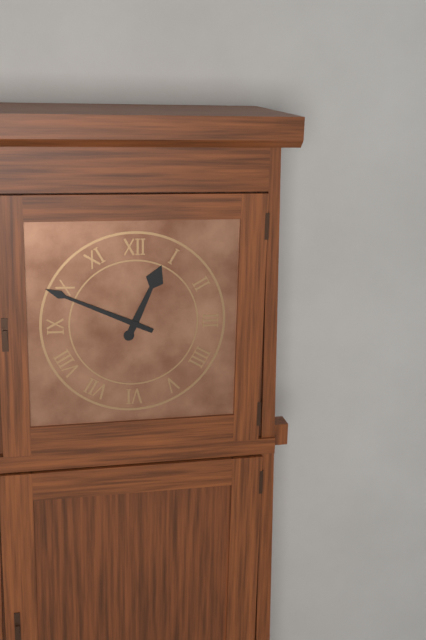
12:49
